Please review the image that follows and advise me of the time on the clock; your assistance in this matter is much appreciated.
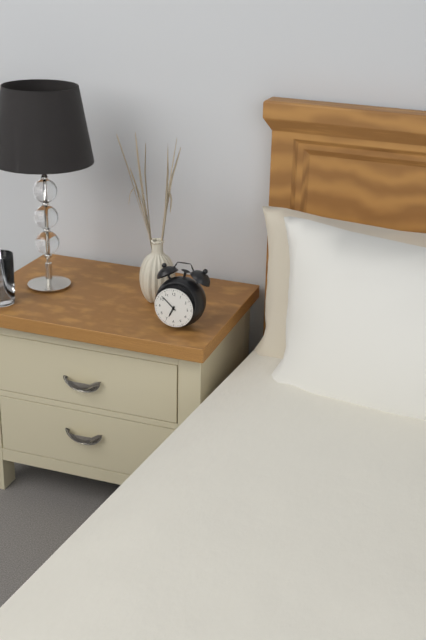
6:52
